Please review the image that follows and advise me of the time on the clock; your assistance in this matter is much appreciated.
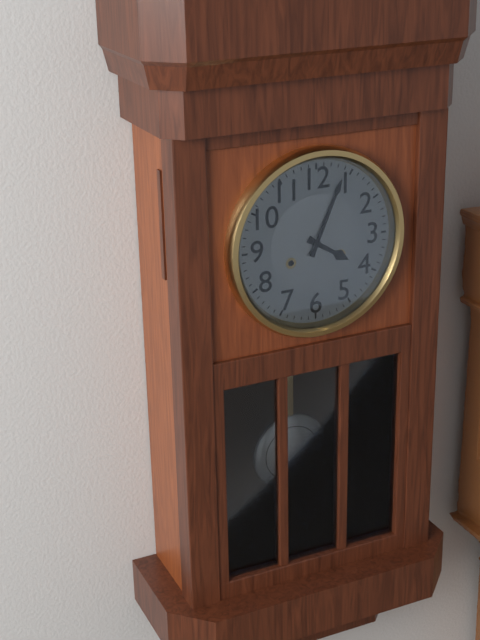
4:04
